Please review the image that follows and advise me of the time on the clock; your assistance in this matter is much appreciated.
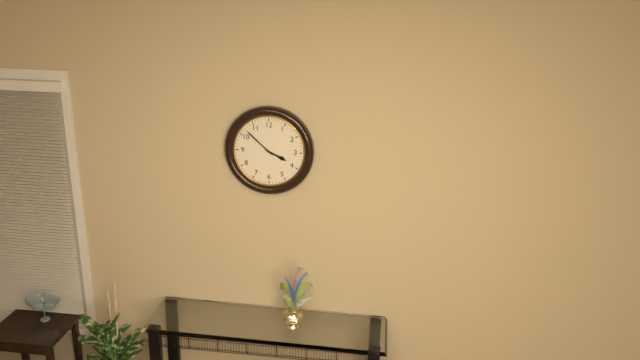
3:52
